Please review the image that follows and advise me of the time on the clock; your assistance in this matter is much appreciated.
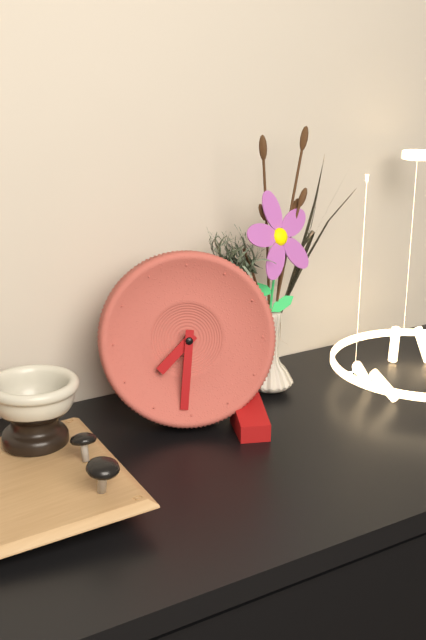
7:31
